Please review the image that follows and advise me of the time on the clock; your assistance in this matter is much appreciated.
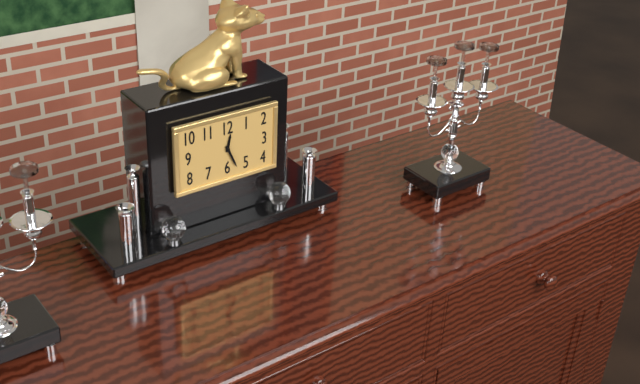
12:26
